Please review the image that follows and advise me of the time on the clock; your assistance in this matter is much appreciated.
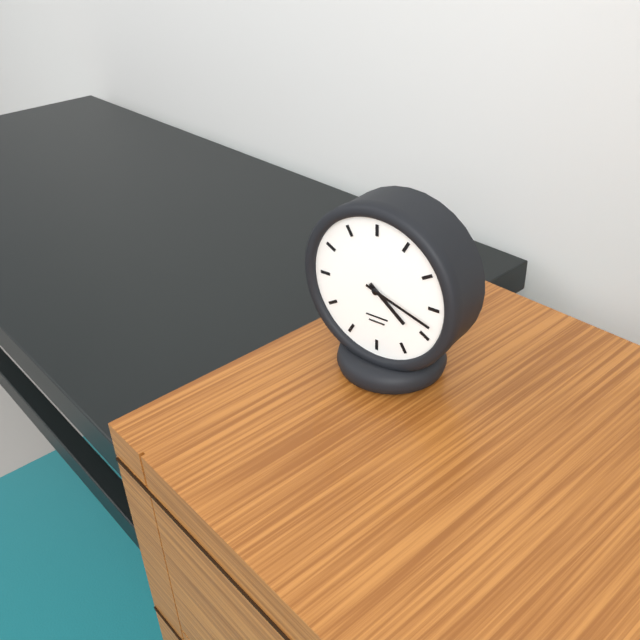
4:18
